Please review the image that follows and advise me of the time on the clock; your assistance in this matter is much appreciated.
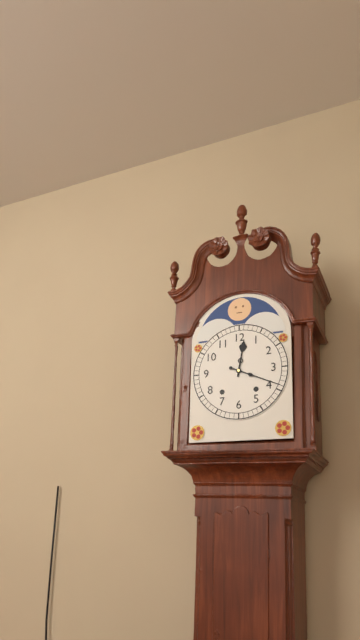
12:19
